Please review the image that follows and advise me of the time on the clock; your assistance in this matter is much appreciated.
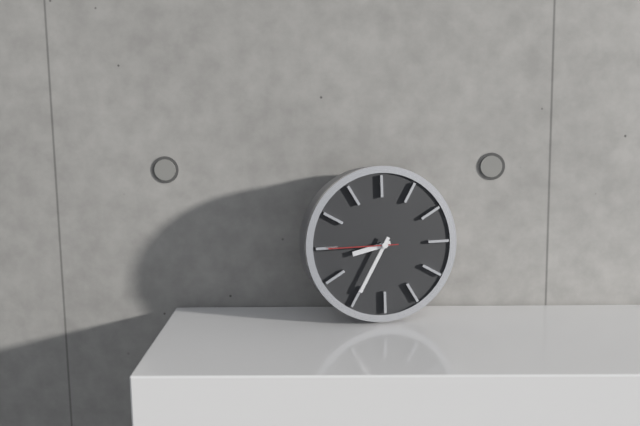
8:35:45
